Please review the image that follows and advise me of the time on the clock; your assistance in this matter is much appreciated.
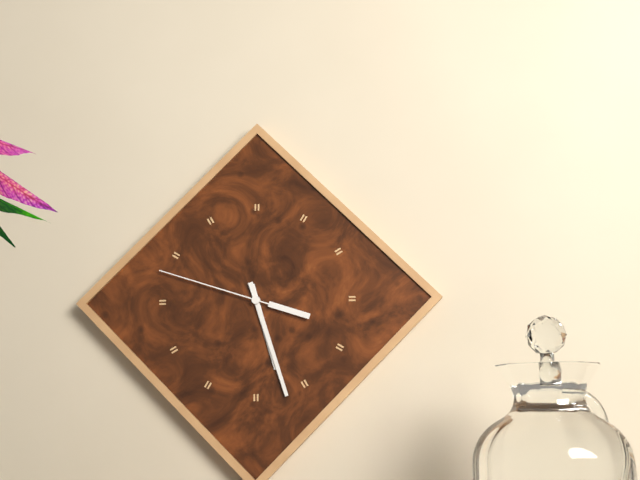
5:27:48
